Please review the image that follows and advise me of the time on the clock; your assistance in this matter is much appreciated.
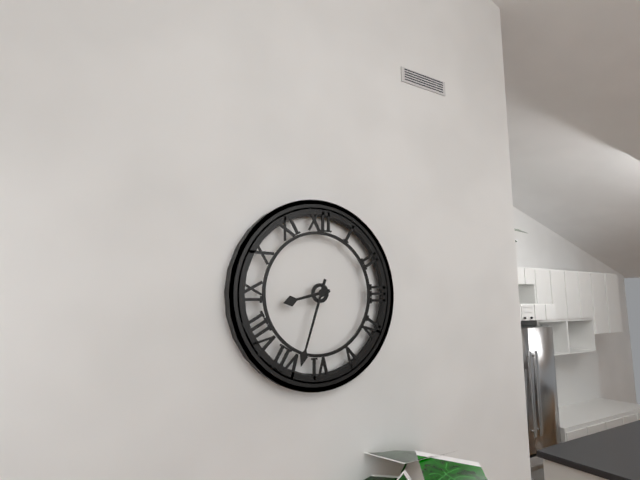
8:33
